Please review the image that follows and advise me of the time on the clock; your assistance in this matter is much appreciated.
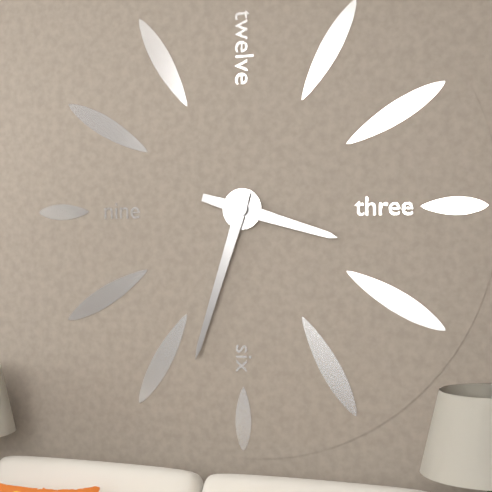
3:33
